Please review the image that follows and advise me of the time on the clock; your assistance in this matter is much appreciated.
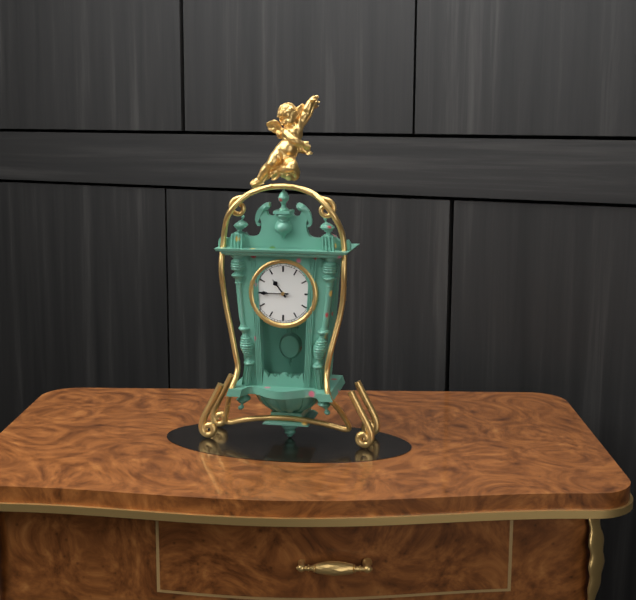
10:45
